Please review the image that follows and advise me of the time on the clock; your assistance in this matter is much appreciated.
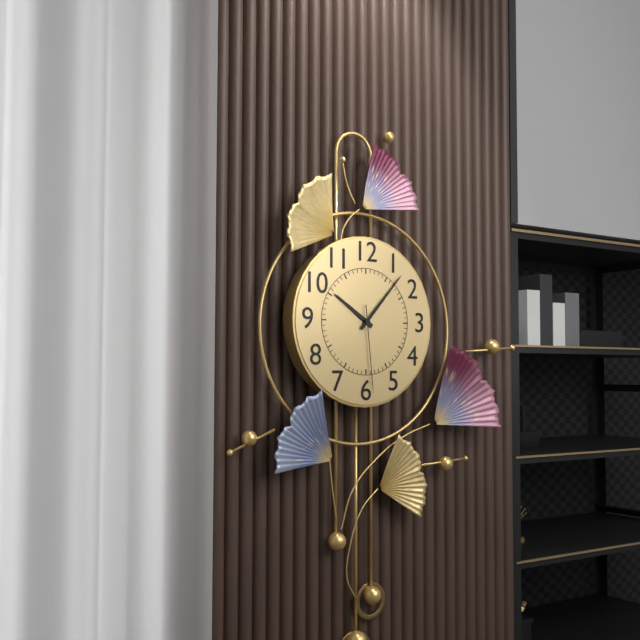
10:07:29
